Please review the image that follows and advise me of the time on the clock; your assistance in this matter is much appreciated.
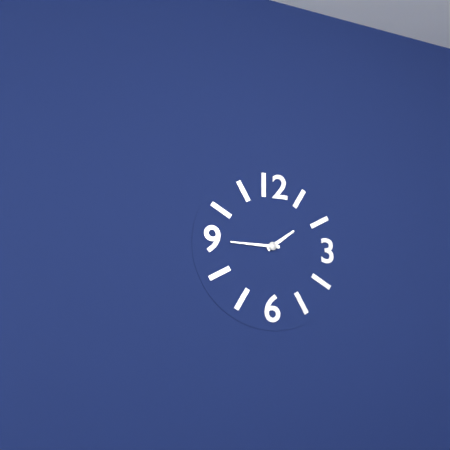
1:45
